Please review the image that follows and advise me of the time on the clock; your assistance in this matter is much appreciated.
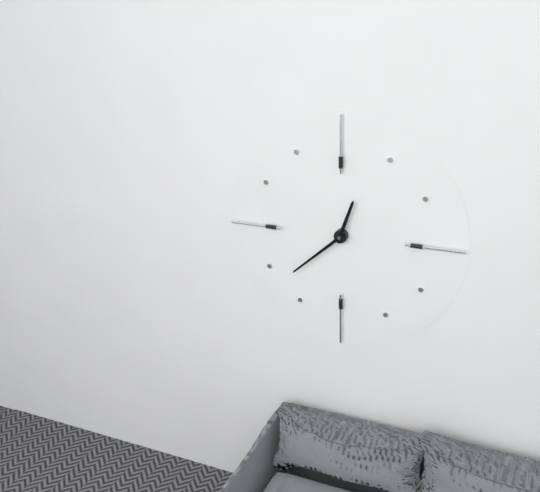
12:38
